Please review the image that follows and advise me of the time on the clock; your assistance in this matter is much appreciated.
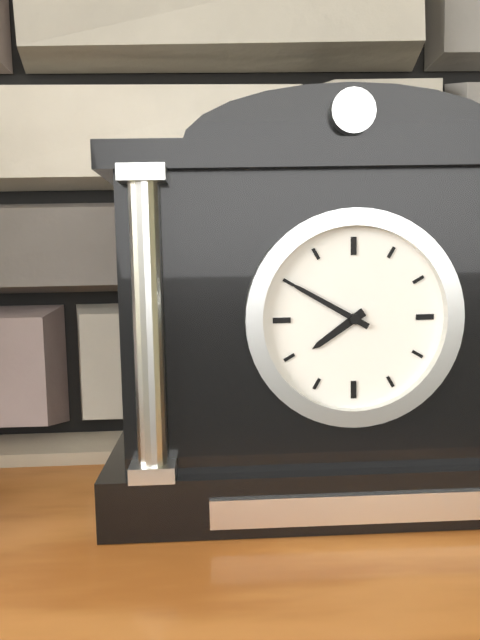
7:50
